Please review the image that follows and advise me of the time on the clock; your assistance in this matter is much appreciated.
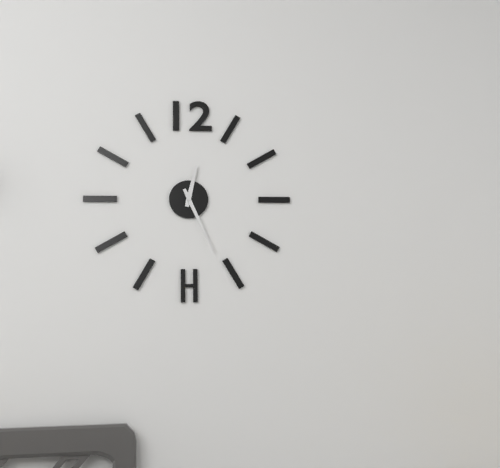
12:26
